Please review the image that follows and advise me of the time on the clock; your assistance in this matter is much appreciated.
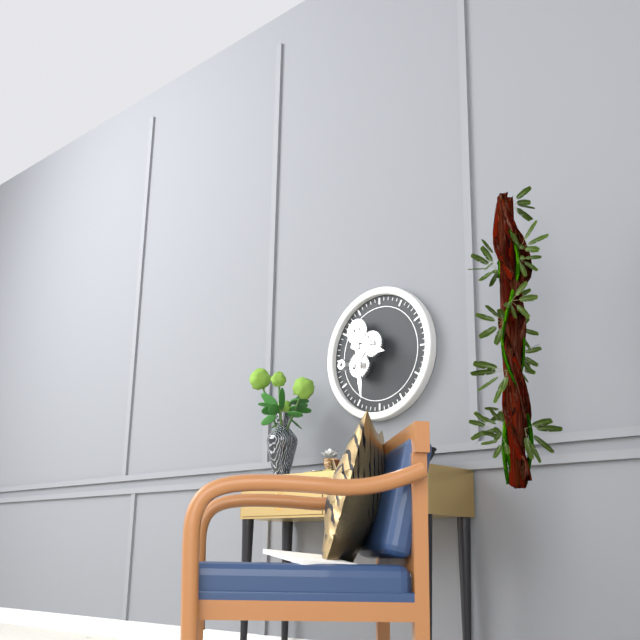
3:29
